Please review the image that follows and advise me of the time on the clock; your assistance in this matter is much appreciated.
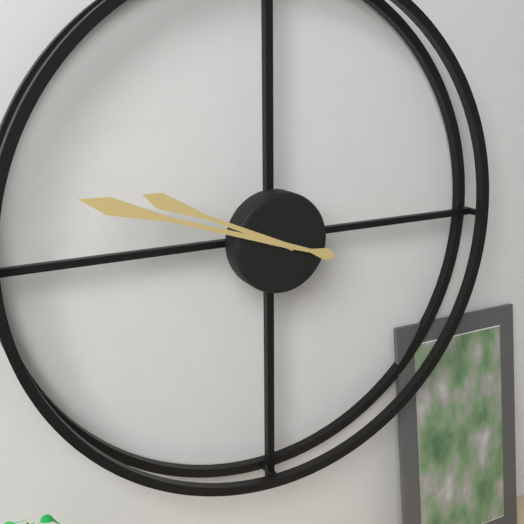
9:48
